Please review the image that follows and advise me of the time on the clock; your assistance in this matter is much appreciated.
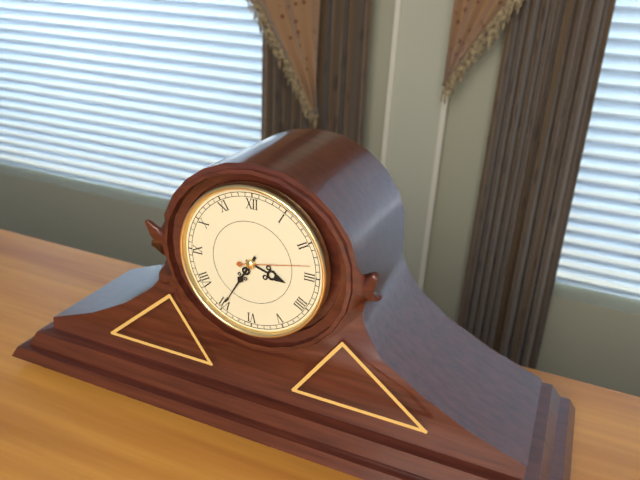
3:35:13
